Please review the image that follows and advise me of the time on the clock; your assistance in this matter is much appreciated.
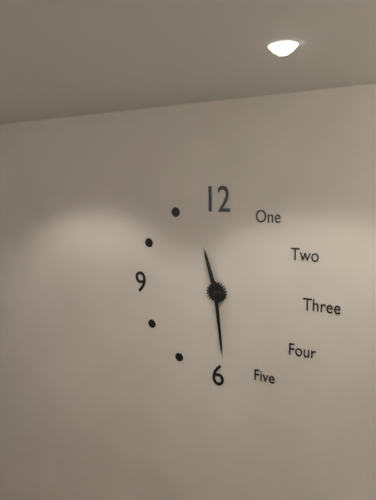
11:29
